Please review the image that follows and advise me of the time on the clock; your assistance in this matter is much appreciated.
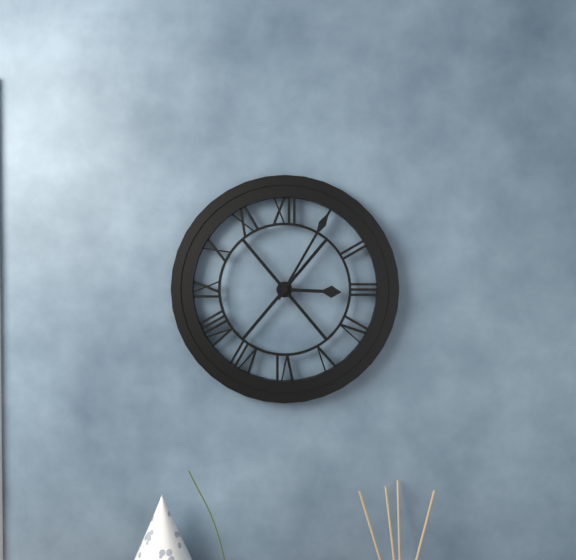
3:05
